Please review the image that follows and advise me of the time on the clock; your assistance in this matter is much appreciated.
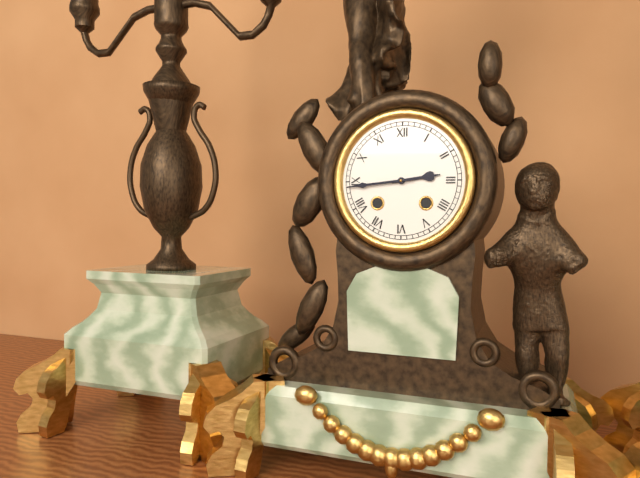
2:44
